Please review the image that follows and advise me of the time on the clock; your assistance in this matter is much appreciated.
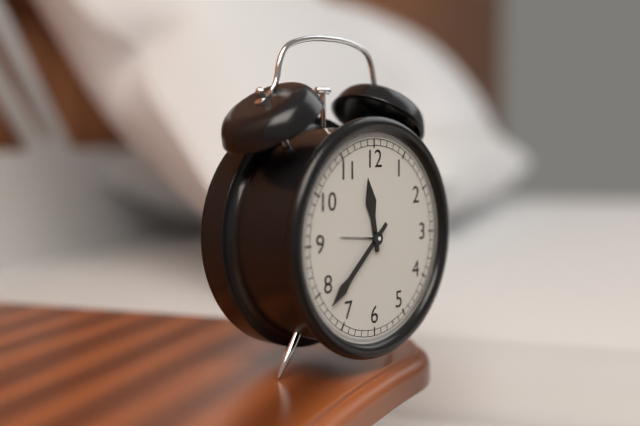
11:38
